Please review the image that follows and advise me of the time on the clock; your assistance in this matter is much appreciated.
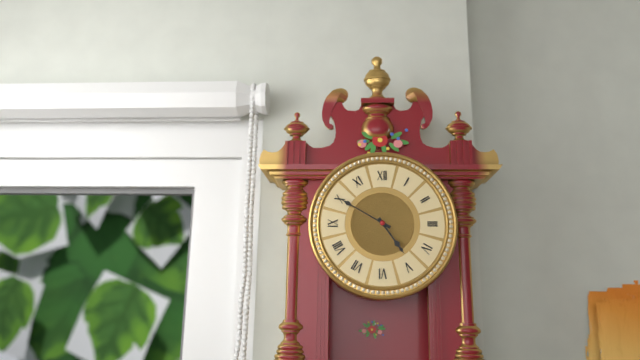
4:50
